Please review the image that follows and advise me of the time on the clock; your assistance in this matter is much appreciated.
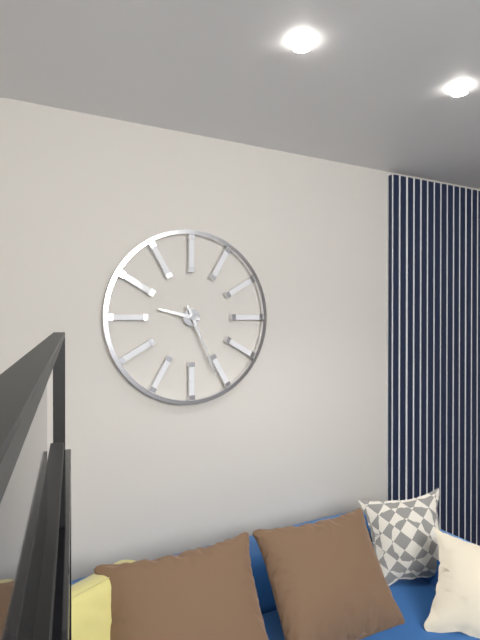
9:26
